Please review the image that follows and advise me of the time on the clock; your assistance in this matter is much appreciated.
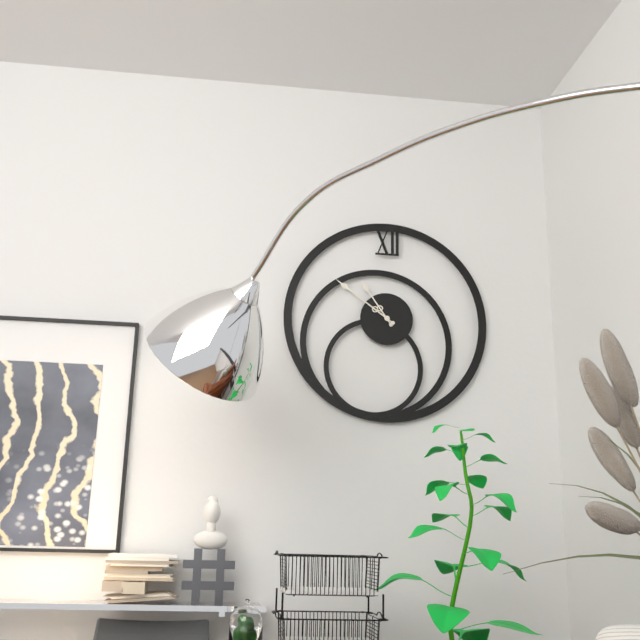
10:51
